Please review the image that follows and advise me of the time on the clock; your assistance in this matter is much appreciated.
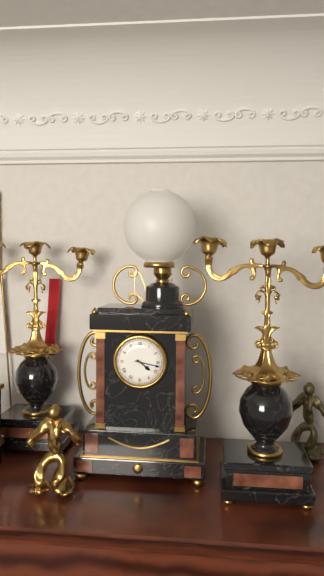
4:17
